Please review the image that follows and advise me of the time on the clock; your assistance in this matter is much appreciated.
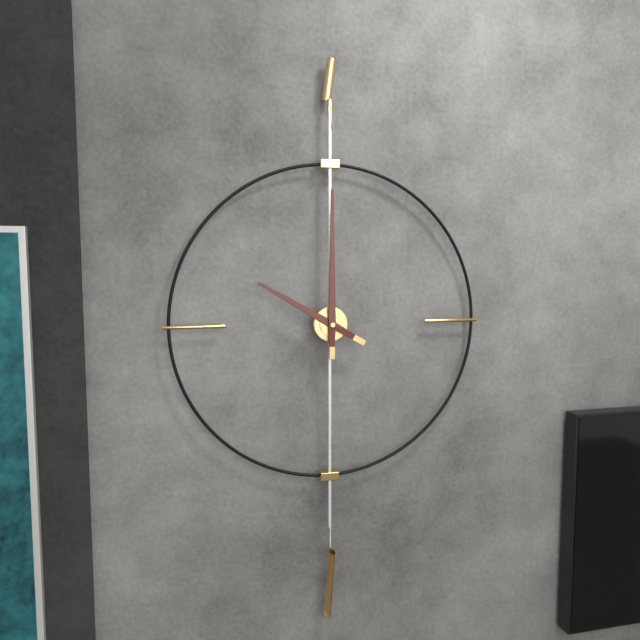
10:00
